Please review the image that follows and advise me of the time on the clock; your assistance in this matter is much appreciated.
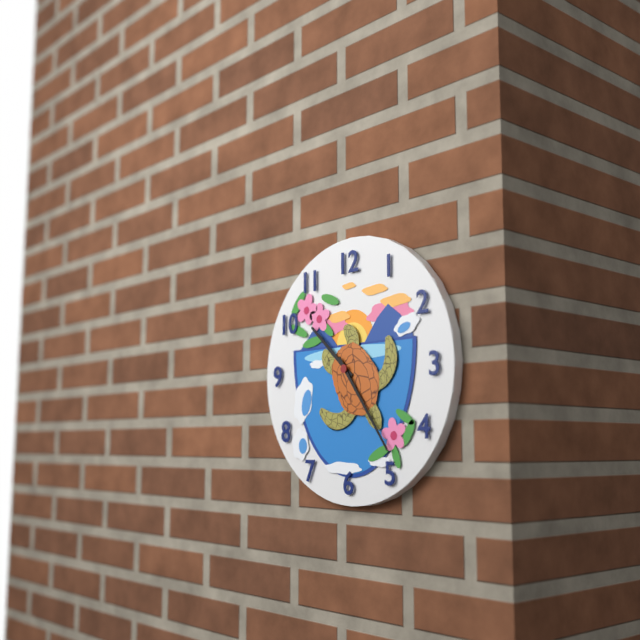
10:24
